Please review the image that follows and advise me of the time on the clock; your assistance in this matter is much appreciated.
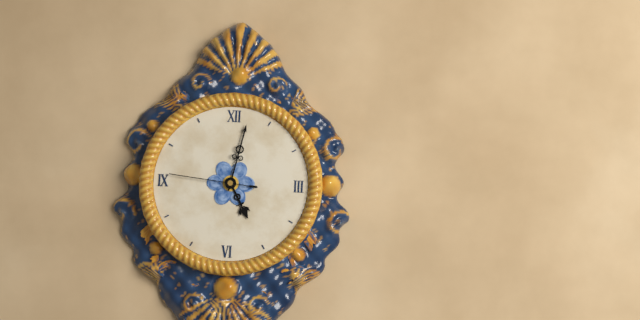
5:02:46
